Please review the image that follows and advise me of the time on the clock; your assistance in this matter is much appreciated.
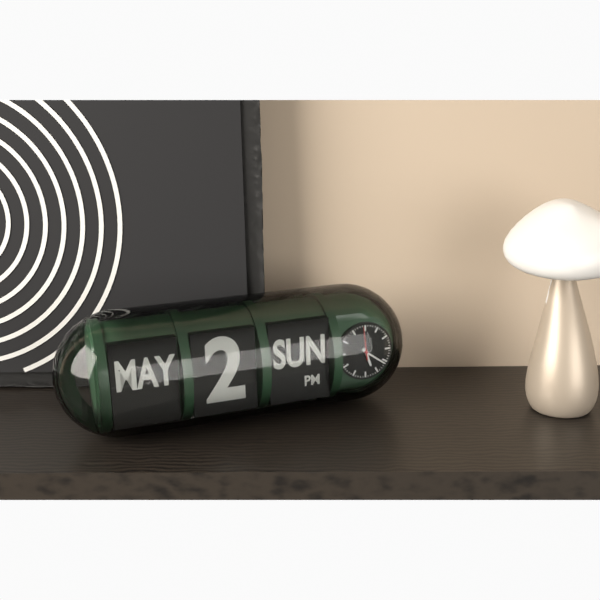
5:21
